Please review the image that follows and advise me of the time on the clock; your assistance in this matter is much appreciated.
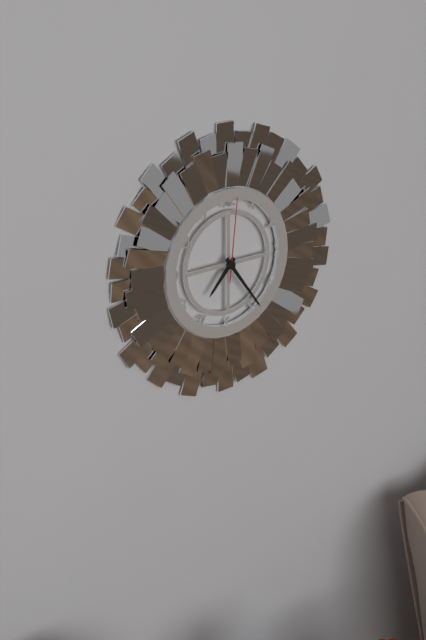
7:24:01
